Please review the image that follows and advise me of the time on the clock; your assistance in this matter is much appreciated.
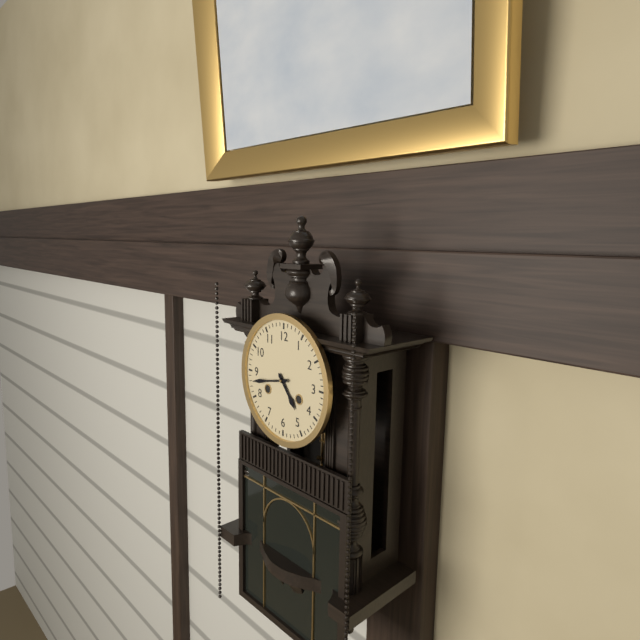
4:43
